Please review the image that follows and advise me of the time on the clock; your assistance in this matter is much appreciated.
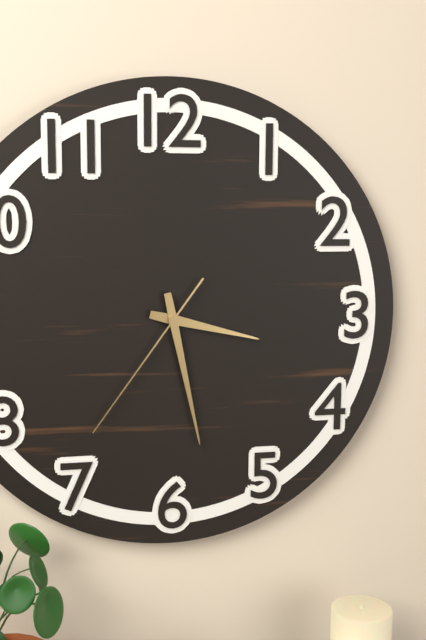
3:28:36
